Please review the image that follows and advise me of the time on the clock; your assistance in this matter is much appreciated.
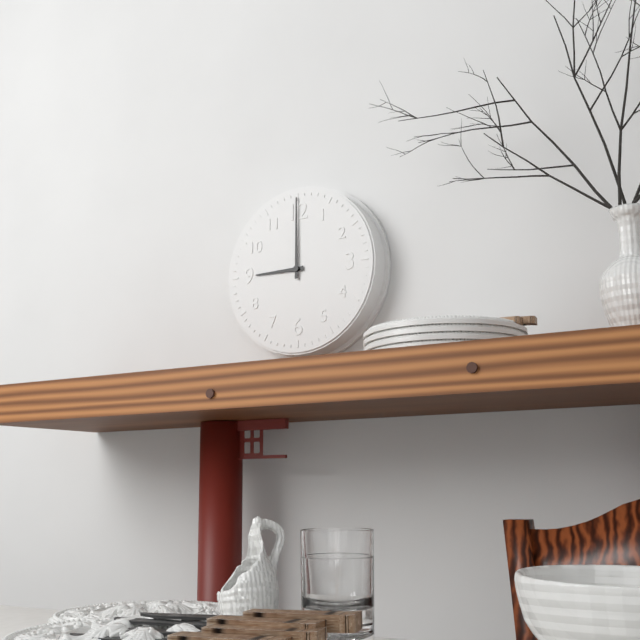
9:00
